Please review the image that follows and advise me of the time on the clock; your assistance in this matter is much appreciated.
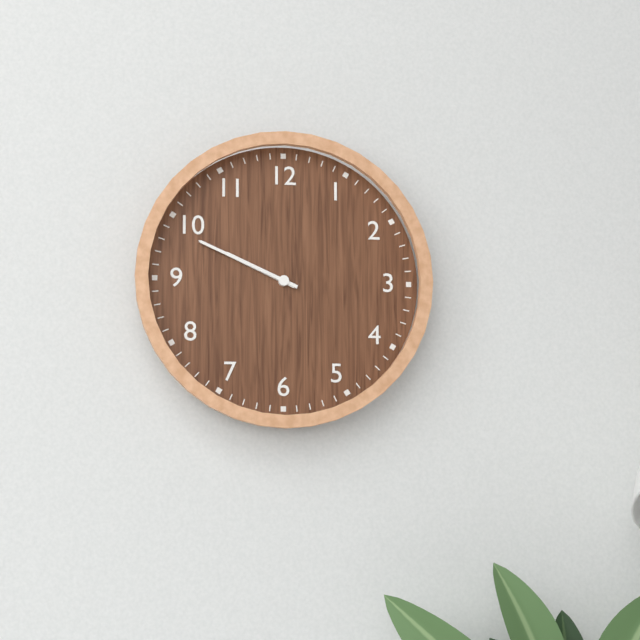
9:49
